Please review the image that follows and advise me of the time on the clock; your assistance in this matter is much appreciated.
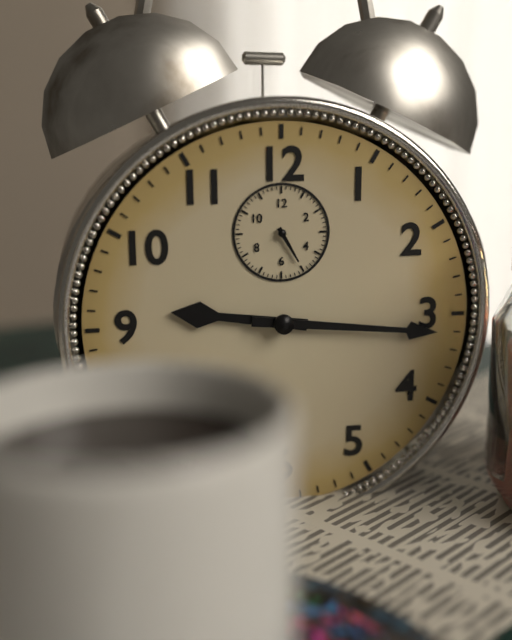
9:16
